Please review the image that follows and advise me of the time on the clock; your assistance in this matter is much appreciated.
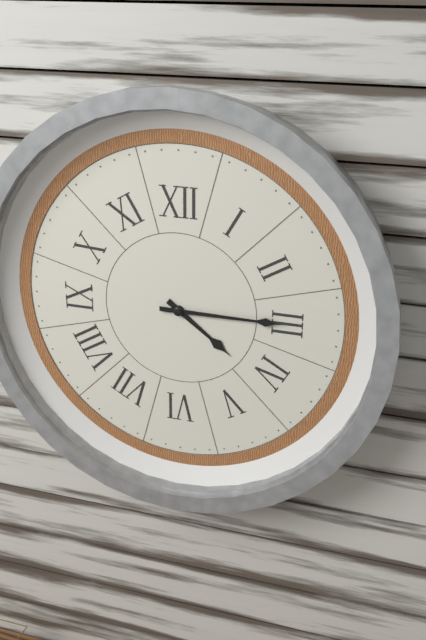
4:15
